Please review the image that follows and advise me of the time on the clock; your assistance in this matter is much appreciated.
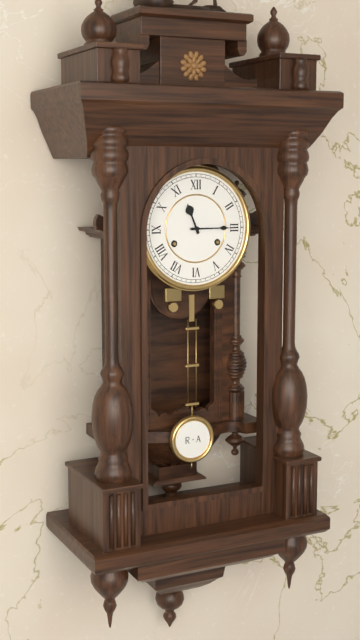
11:15
